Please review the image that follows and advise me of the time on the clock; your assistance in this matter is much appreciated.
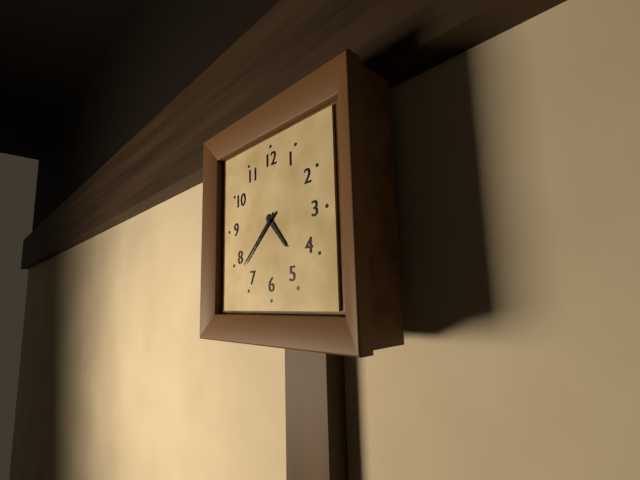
4:38
